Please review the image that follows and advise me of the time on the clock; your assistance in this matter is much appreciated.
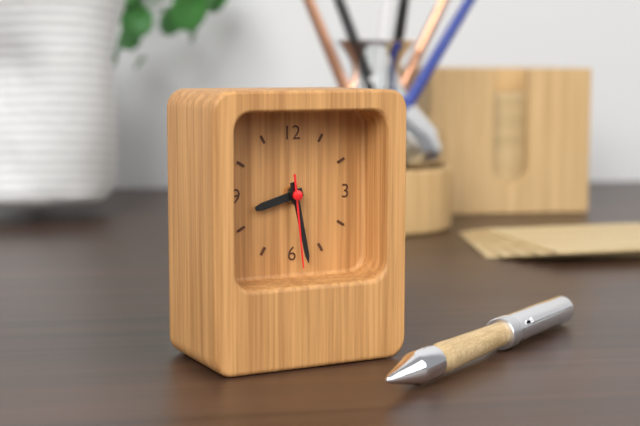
8:28:29
